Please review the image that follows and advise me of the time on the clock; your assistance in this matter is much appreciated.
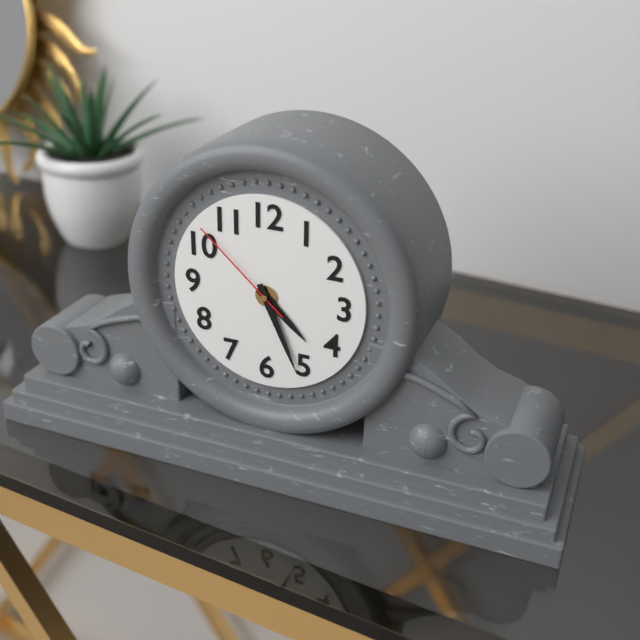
4:26:52
